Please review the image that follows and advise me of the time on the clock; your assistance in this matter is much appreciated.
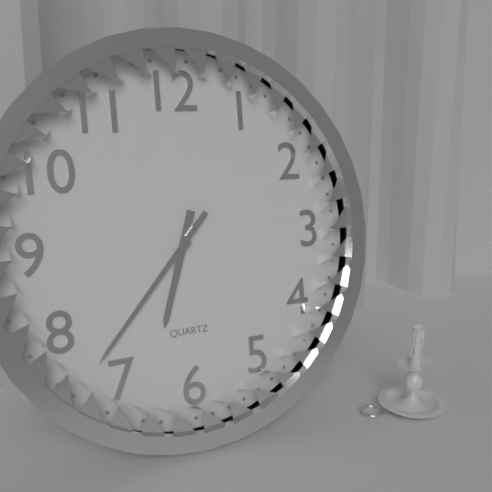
6:37
